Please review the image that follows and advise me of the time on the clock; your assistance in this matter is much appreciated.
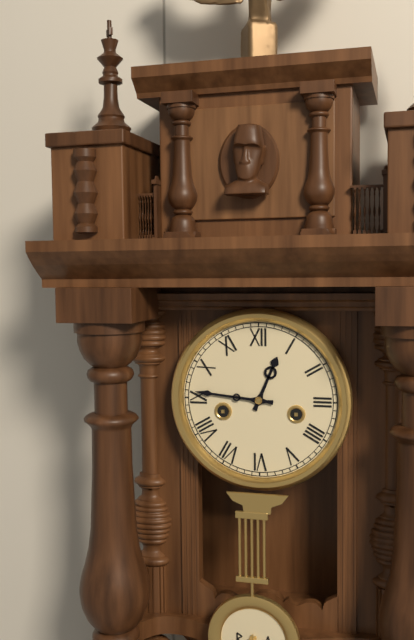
12:46
